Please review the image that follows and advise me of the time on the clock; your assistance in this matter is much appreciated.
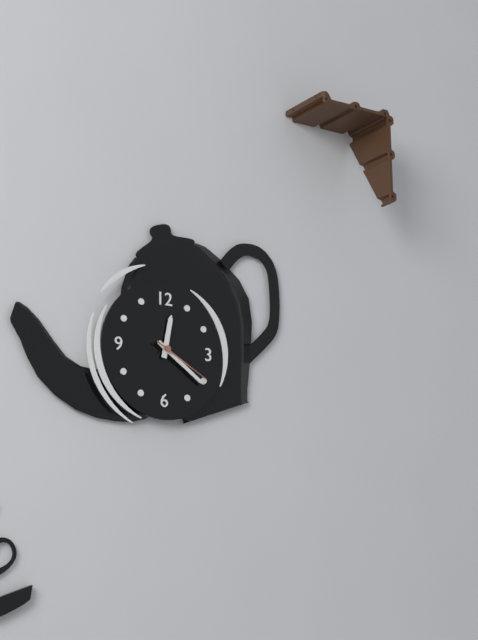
12:21:20
